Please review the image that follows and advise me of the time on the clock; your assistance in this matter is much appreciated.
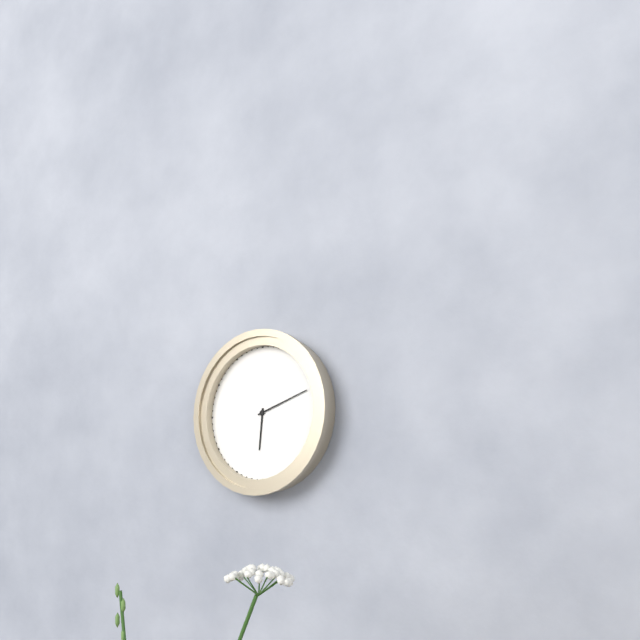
6:12
